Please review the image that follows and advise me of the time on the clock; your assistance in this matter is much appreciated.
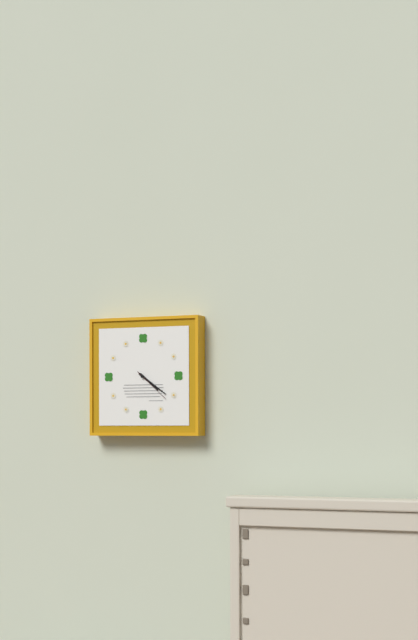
4:21
